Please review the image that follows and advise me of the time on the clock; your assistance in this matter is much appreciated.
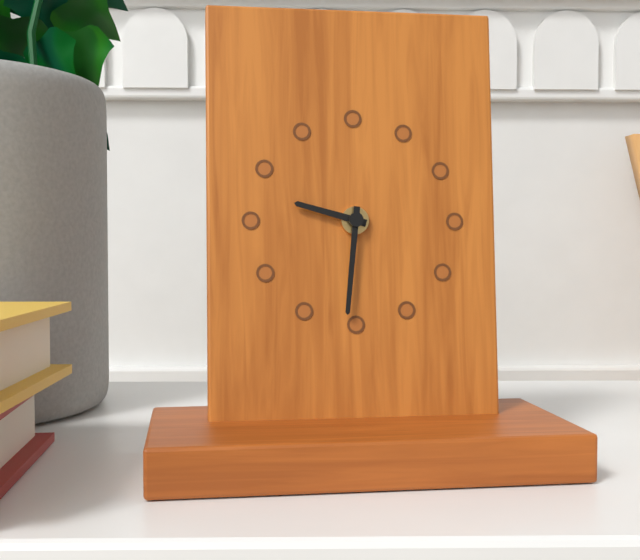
9:31
